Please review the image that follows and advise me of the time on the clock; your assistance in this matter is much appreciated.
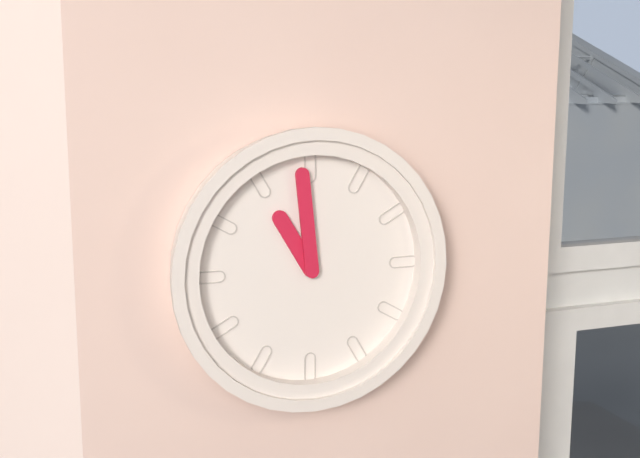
10:59
